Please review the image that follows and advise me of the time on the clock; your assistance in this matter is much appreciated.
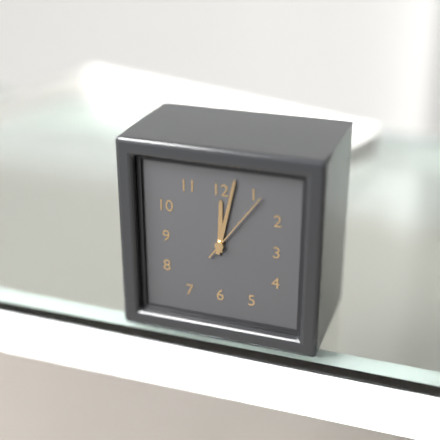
12:02:06
